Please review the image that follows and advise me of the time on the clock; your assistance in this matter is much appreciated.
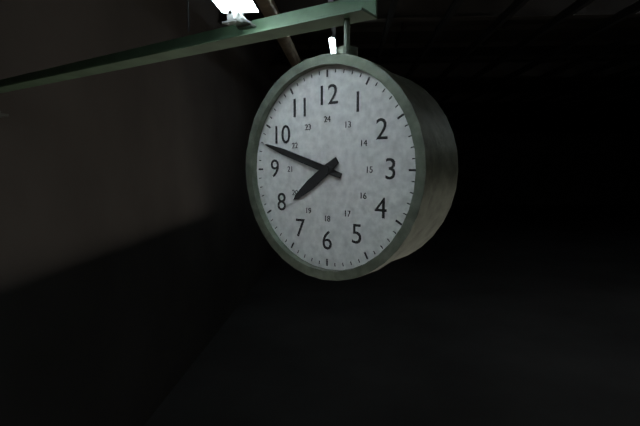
7:48
